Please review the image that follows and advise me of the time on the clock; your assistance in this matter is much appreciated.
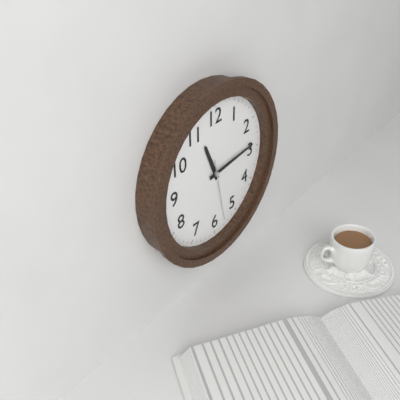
11:14:28
